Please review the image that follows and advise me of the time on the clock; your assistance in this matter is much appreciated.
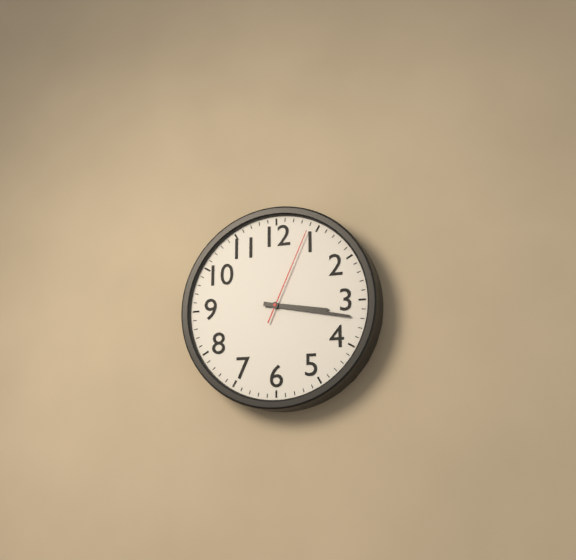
3:17:04
